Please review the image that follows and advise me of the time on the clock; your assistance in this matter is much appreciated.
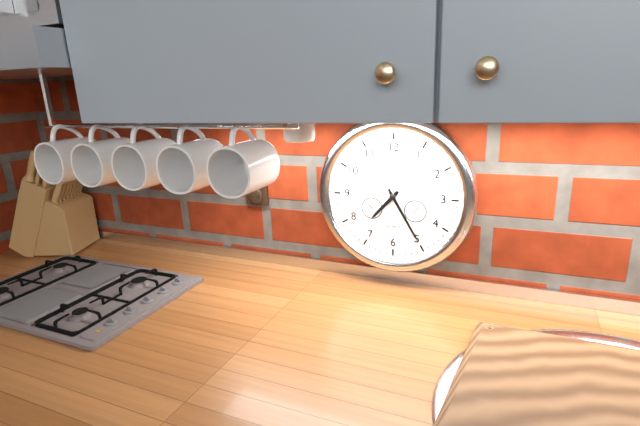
7:25
